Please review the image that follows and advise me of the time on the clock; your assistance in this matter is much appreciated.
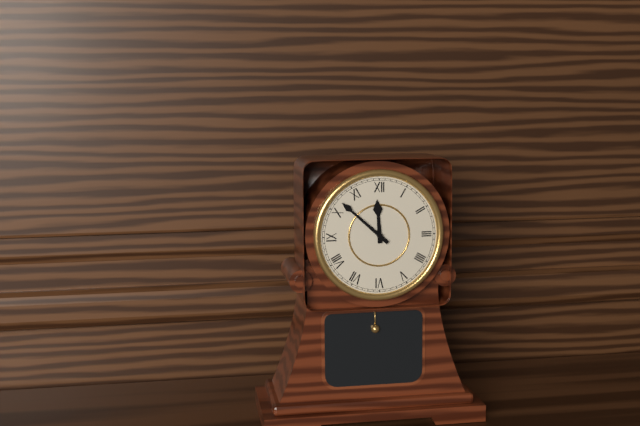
11:52
